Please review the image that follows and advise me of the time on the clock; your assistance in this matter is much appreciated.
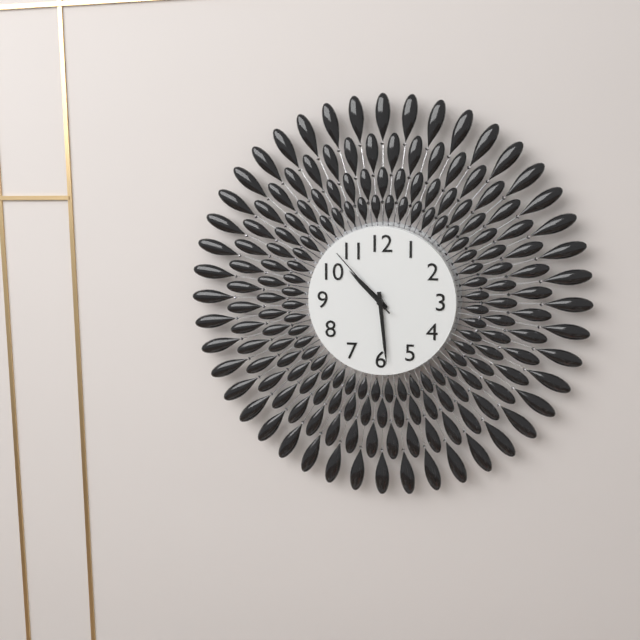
10:29:53
